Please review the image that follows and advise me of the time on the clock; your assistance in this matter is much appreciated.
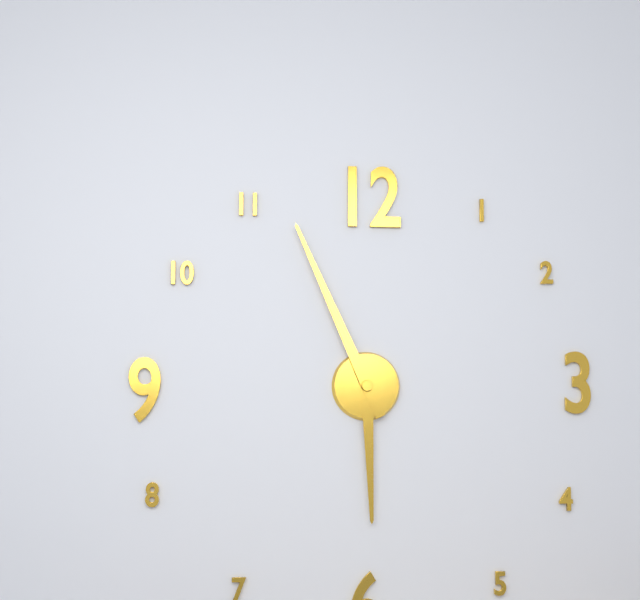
5:56
